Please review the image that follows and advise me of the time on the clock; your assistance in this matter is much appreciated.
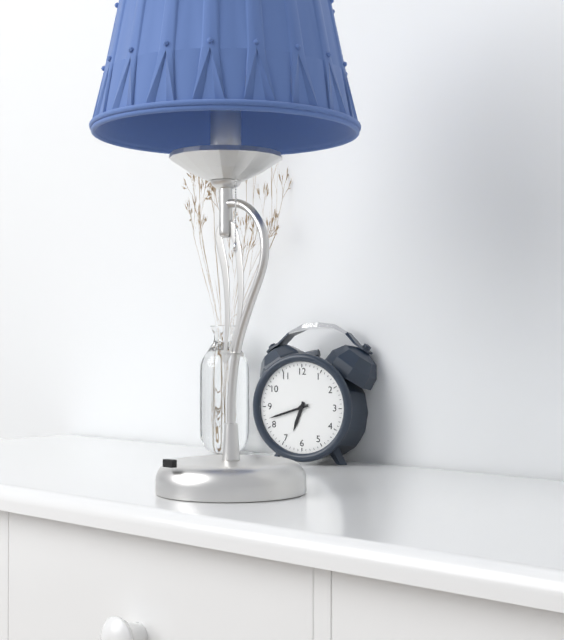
6:42
